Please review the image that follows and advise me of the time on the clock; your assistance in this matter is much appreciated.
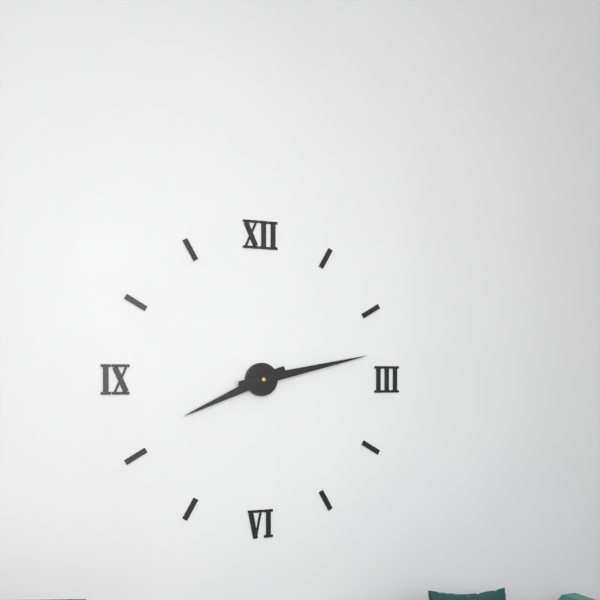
8:13
